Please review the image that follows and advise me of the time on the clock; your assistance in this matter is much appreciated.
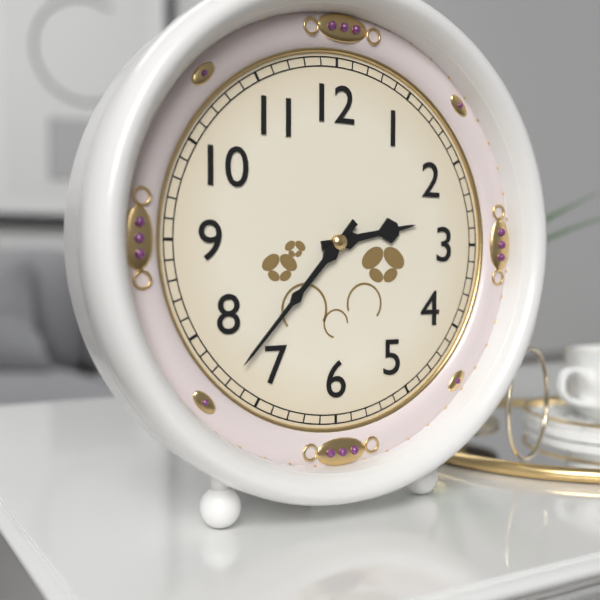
2:37
